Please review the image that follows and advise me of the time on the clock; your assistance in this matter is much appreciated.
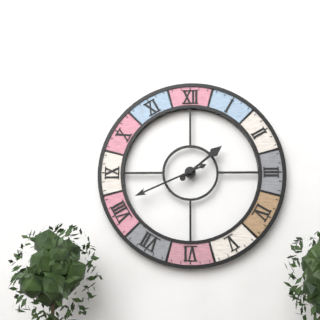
1:41
